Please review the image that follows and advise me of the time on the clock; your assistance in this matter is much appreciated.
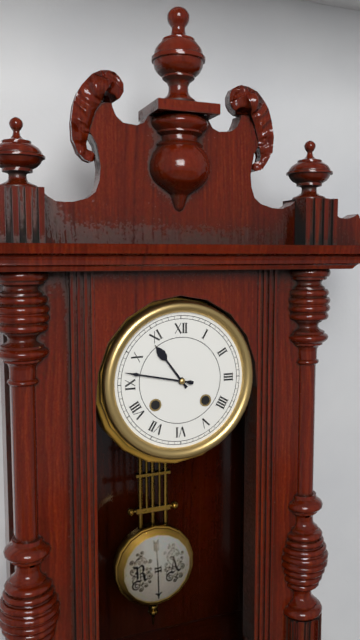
10:47
